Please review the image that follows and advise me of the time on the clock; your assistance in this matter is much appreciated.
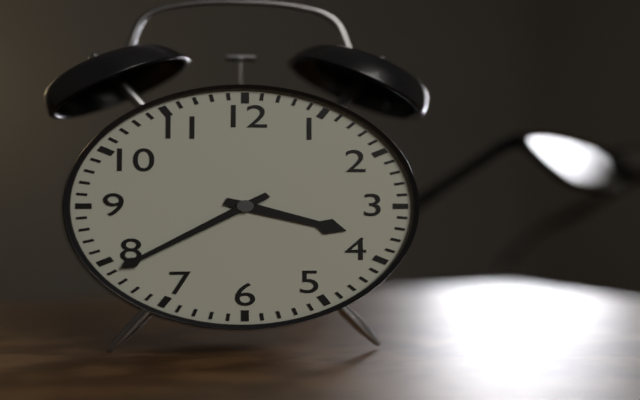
3:39
